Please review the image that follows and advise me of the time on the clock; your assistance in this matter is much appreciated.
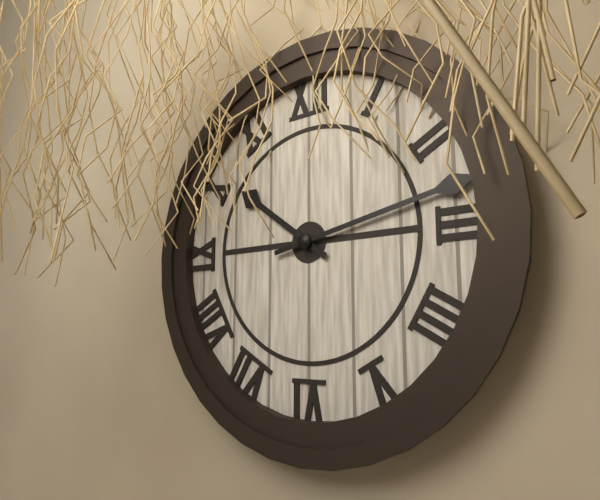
10:13
